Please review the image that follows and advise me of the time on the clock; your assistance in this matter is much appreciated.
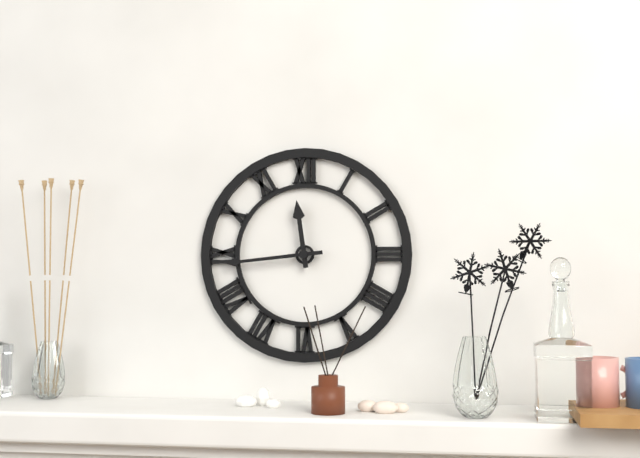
11:44
